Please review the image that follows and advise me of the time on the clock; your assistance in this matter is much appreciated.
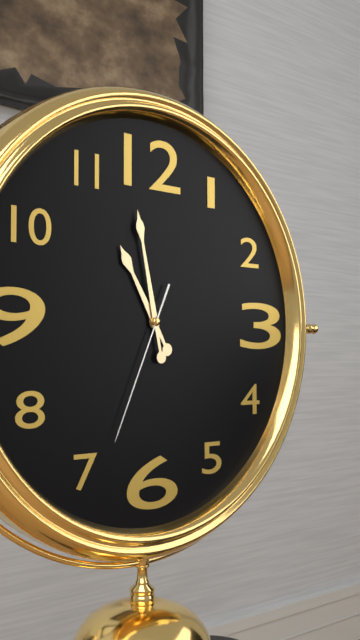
10:58:34
